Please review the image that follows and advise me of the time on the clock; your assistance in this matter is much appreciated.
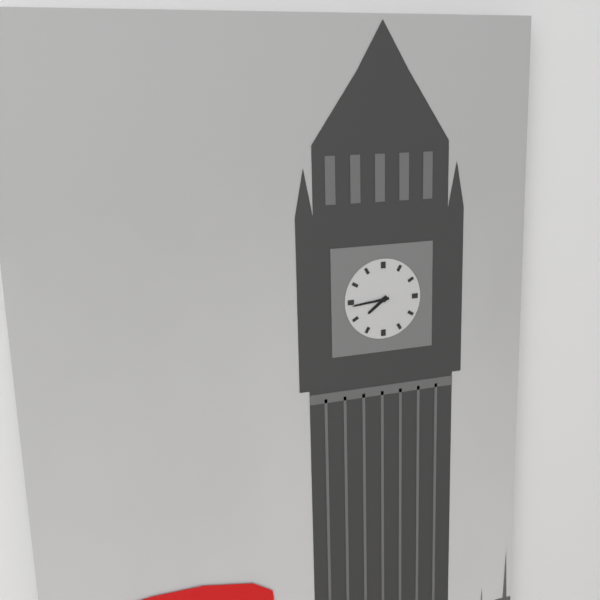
7:44
